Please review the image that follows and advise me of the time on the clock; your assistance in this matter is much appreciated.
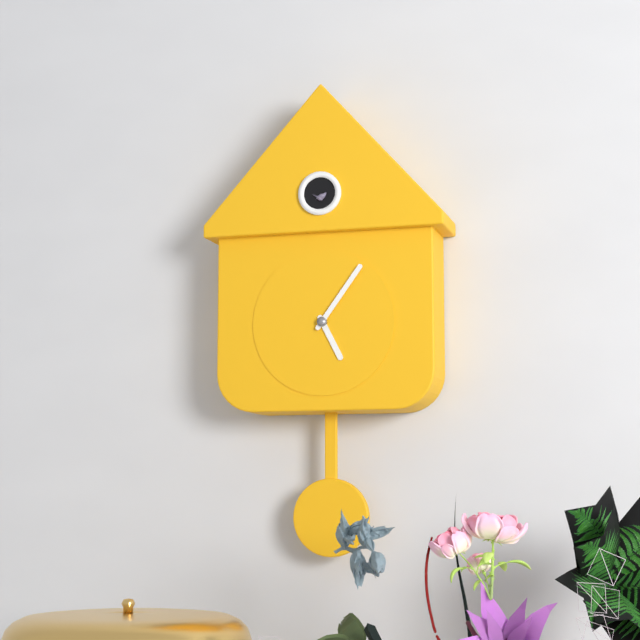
5:06
